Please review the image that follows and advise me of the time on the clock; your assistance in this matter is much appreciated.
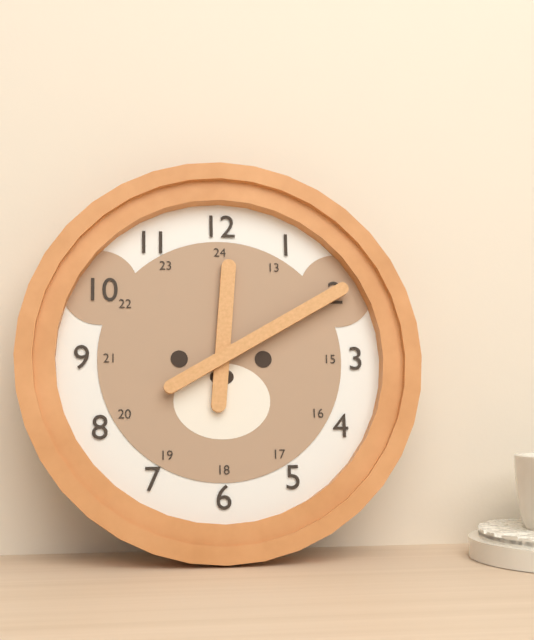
12:10
